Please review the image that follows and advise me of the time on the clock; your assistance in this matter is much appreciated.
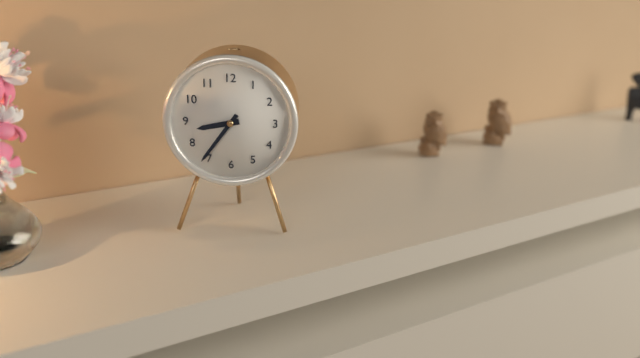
8:36
